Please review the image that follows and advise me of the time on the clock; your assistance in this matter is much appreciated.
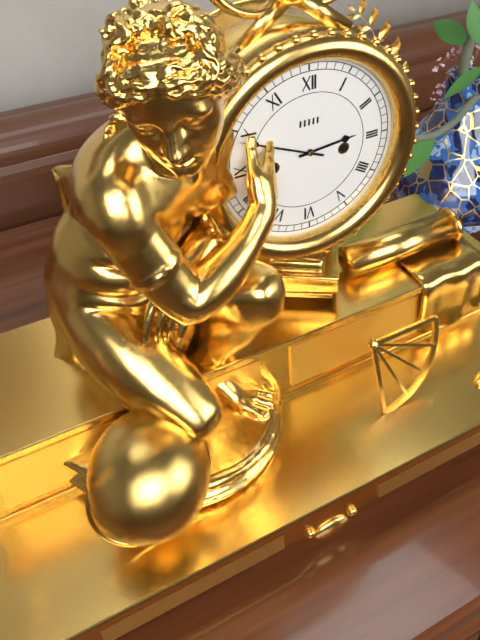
2:49
